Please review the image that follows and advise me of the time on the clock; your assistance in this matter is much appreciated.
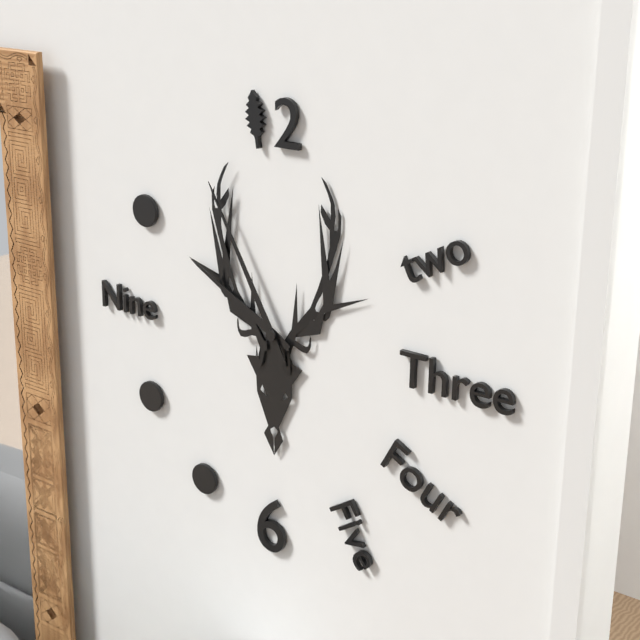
9:55
